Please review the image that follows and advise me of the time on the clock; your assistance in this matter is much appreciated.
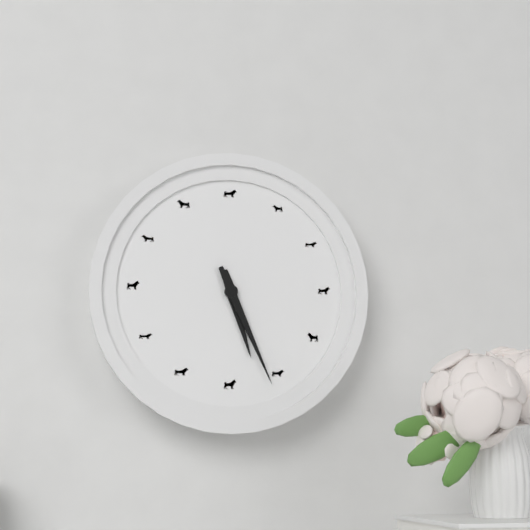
5:26
